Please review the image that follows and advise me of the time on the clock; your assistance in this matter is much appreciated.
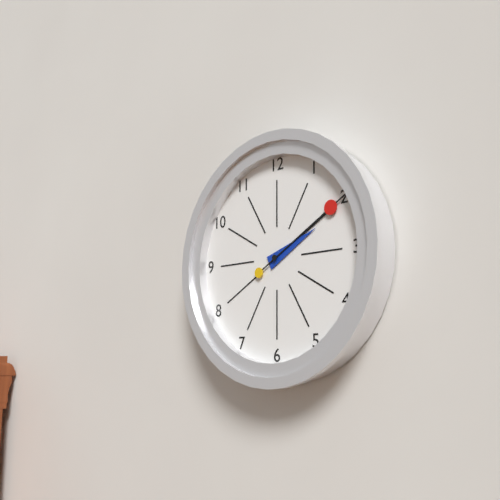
2:10
